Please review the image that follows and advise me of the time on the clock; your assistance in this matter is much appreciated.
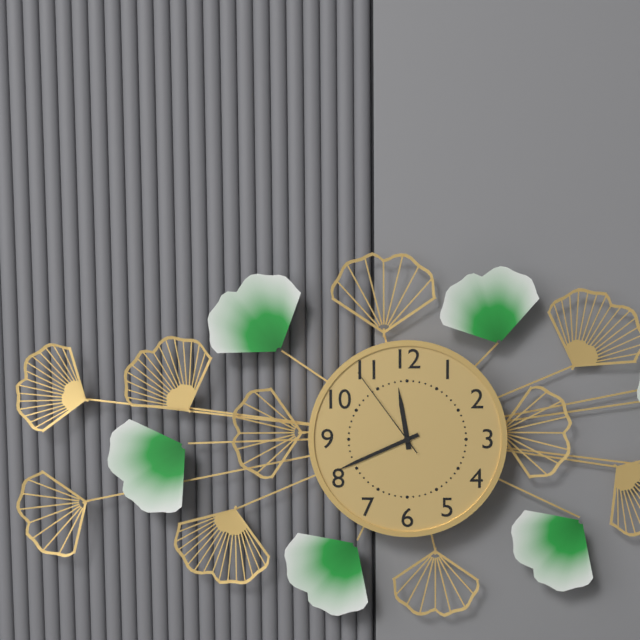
11:41:54
